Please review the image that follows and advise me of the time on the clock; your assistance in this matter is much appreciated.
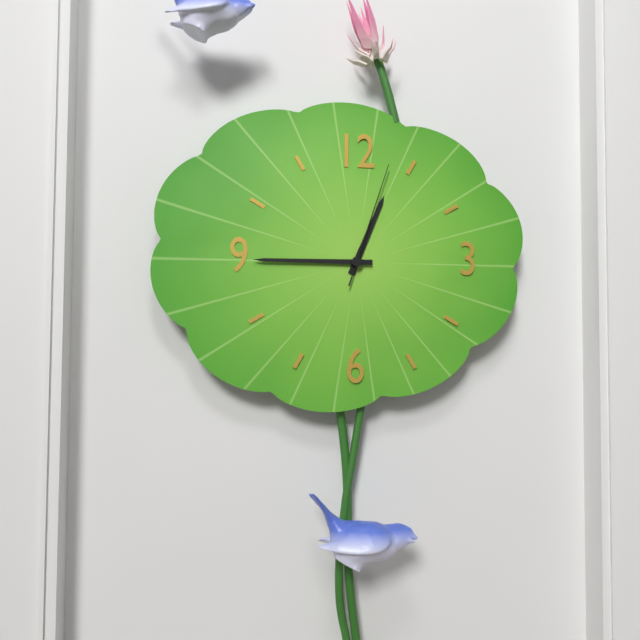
12:45:03
